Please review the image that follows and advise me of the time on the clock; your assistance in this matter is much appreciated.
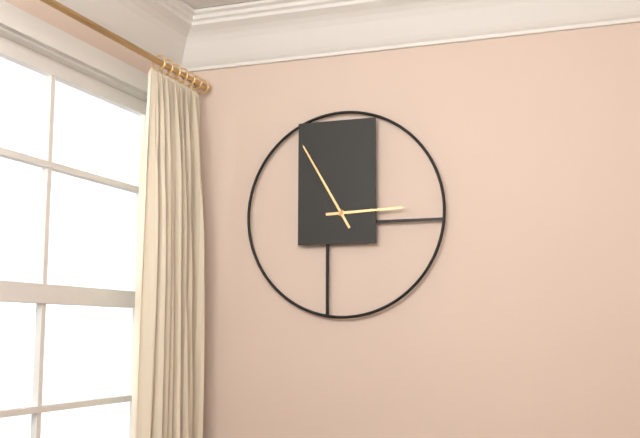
2:55
